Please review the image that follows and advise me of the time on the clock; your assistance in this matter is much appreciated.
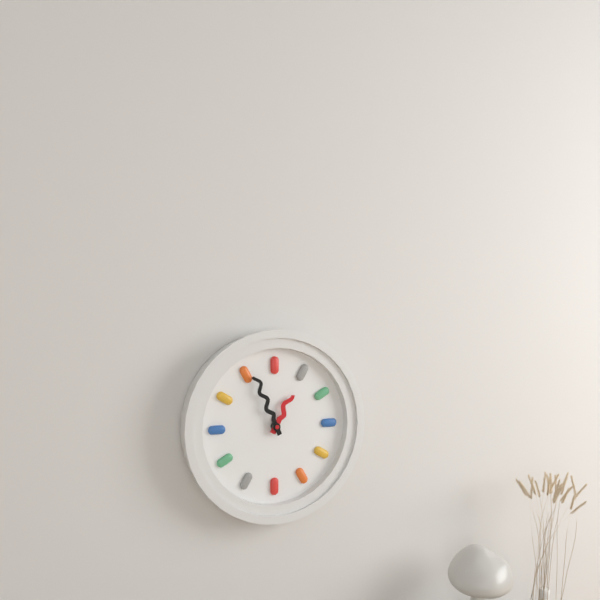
12:56
